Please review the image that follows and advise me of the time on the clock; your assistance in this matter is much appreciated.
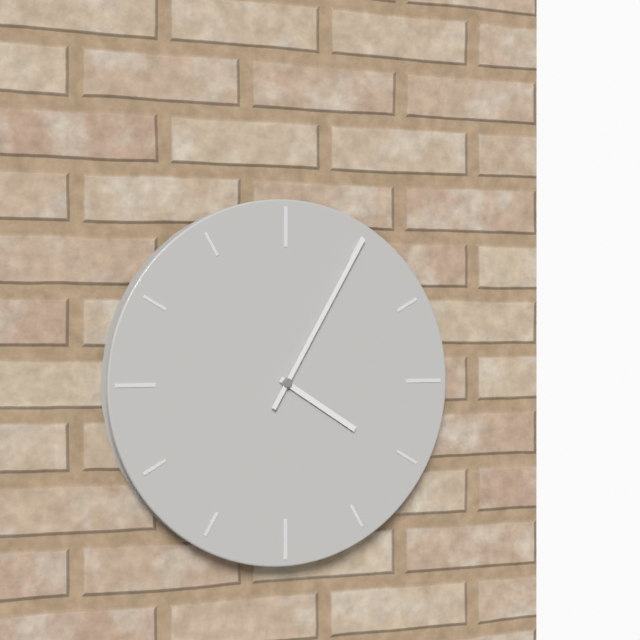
4:05
